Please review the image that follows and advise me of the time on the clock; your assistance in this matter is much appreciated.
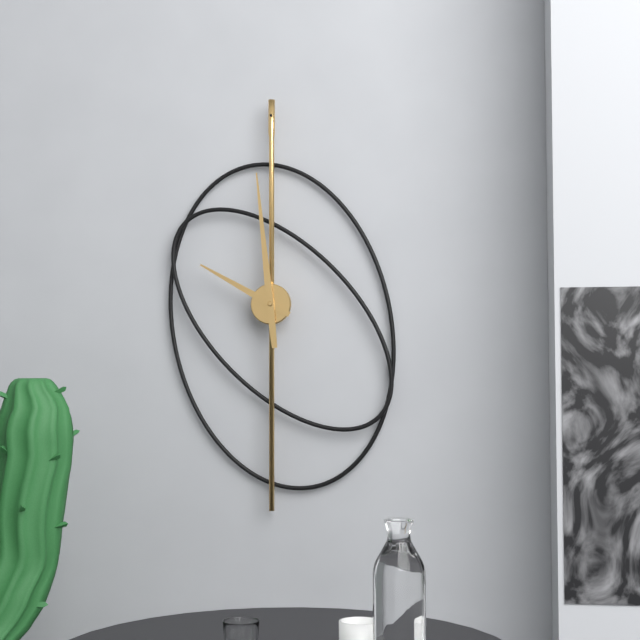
9:59
